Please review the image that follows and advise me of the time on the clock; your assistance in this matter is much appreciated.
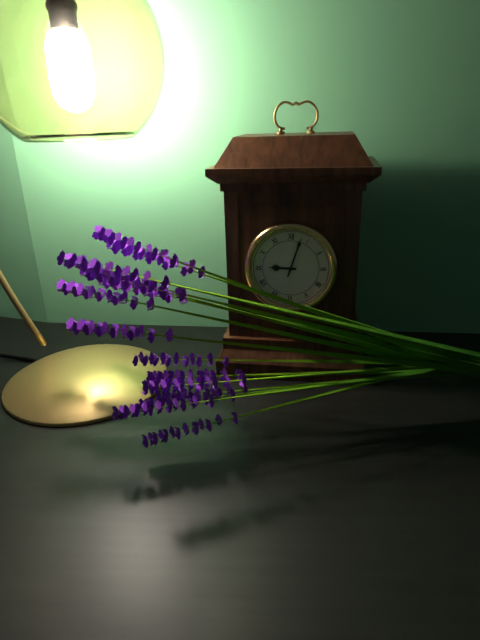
9:03
